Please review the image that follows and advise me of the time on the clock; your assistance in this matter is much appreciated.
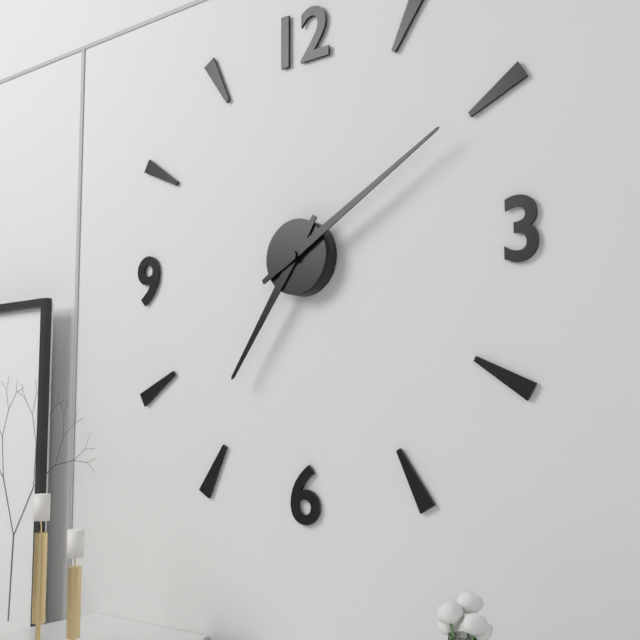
7:10
